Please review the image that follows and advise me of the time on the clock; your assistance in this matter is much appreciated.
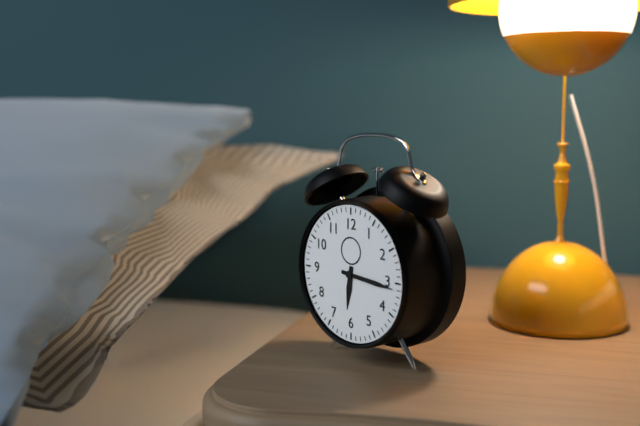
6:16
